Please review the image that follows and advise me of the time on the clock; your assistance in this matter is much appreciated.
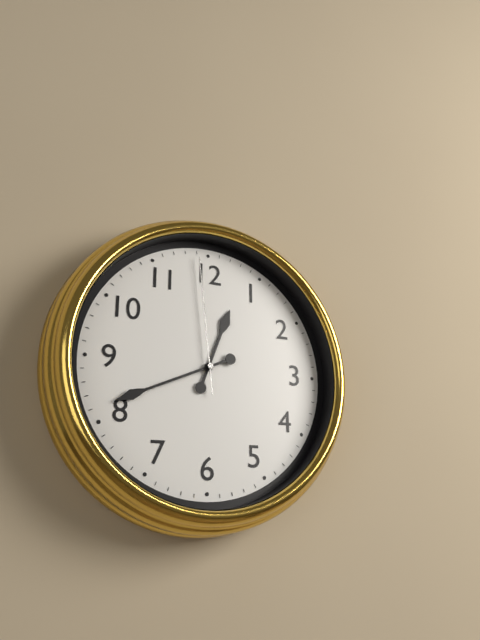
12:41:59
